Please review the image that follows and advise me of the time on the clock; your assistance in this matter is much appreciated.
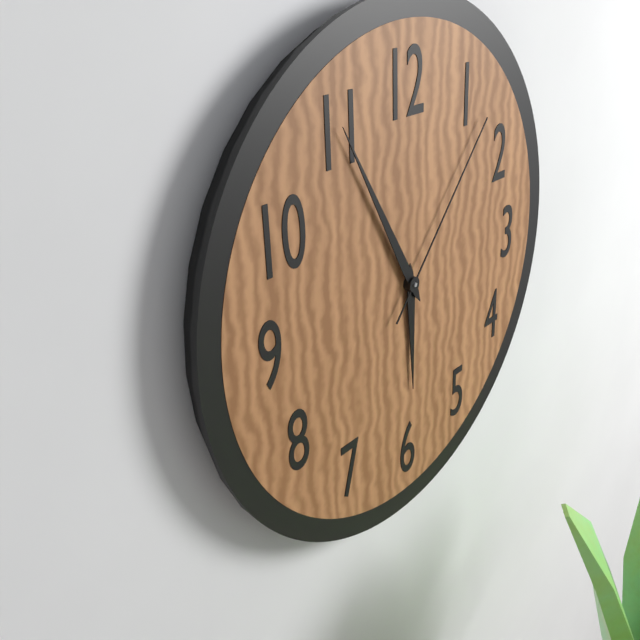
5:55:07
